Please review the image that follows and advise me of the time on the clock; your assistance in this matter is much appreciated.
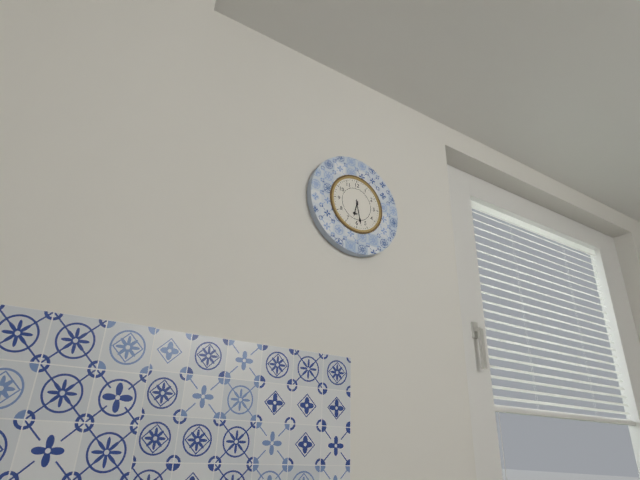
6:28
